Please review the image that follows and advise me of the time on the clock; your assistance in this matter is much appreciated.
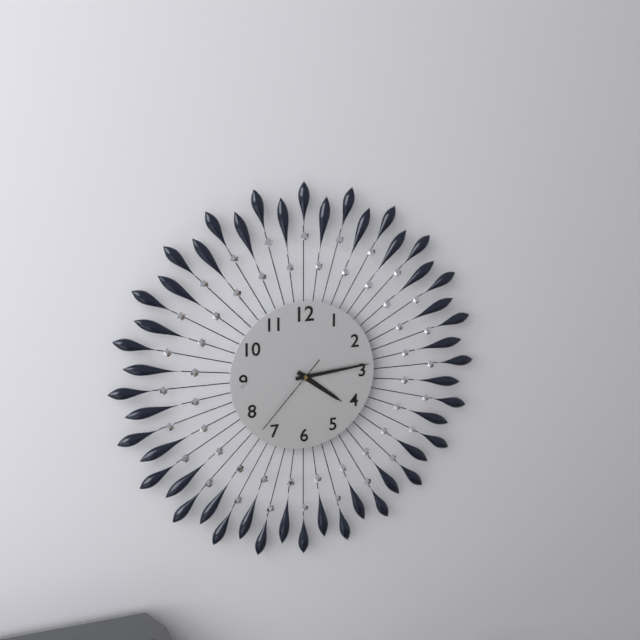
4:14:37
